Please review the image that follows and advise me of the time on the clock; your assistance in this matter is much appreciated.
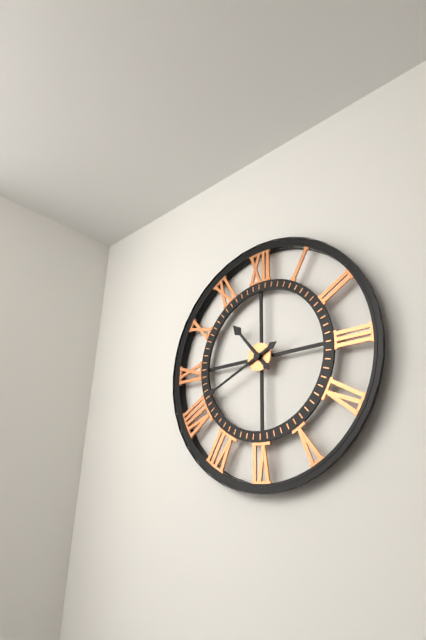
10:41
